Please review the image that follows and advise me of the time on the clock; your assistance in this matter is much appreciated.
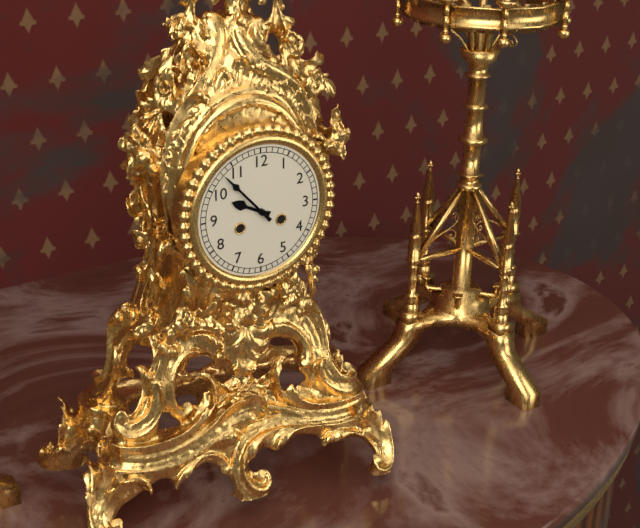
9:53
